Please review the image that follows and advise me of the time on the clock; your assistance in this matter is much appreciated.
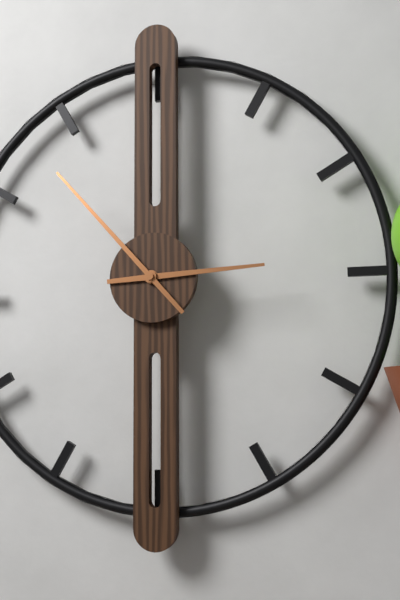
2:53
